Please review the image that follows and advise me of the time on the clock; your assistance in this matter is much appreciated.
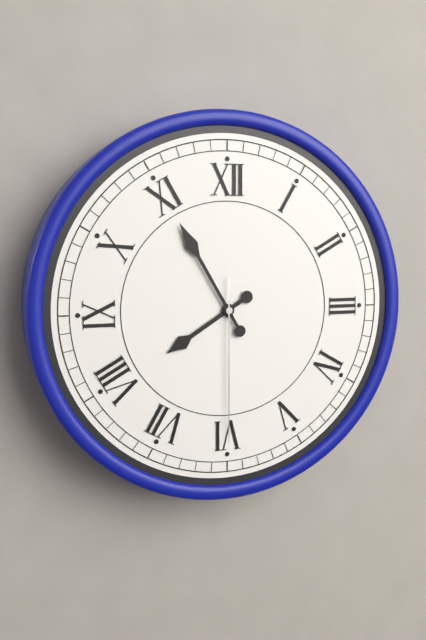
7:55:30
